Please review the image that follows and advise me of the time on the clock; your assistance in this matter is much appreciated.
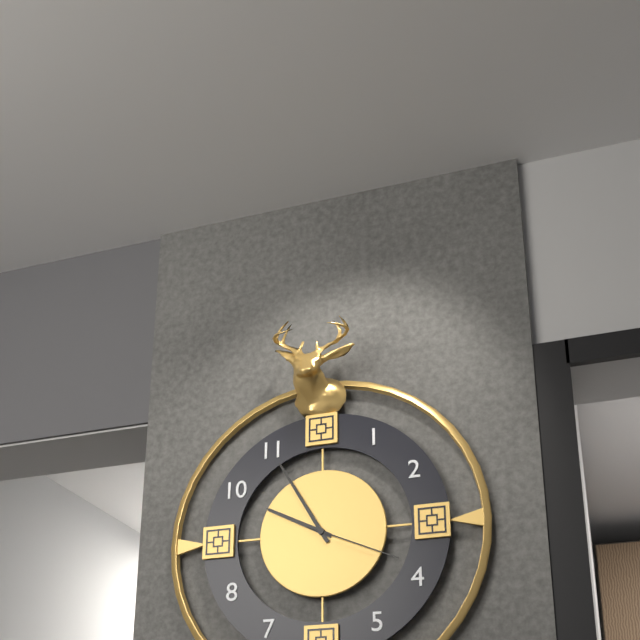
9:55:19
